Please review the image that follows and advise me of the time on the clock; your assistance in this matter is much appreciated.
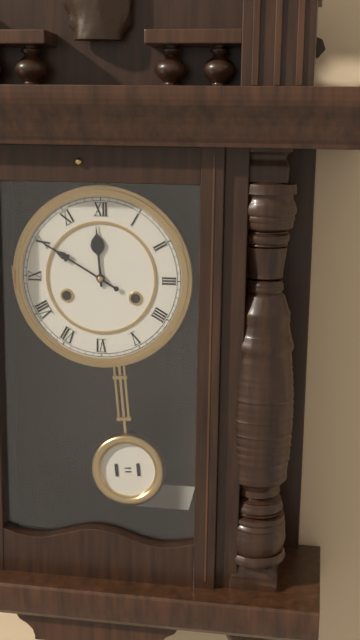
11:50
